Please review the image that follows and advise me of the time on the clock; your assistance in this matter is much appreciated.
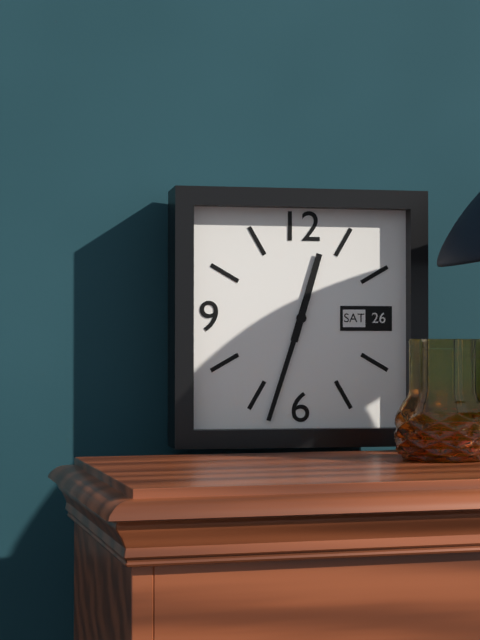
12:33
